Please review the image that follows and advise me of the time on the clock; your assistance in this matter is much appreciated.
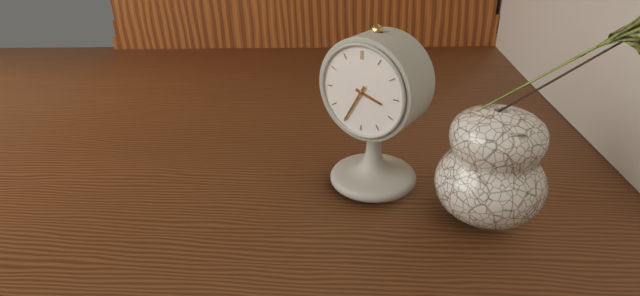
3:35
